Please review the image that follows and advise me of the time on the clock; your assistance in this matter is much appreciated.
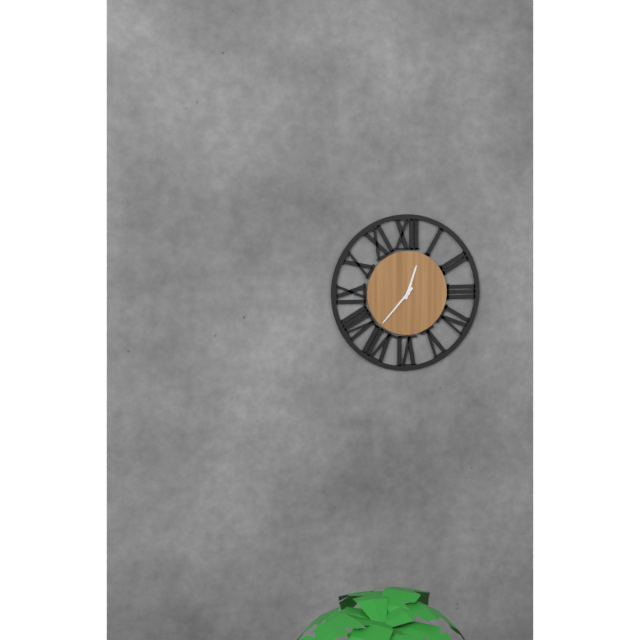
12:37
